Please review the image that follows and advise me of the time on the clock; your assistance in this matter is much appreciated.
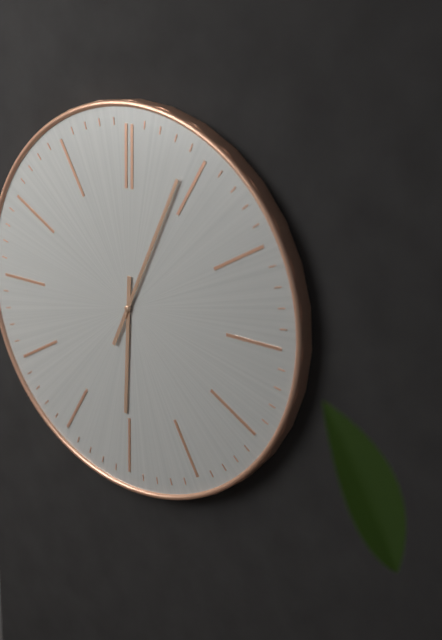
6:04
